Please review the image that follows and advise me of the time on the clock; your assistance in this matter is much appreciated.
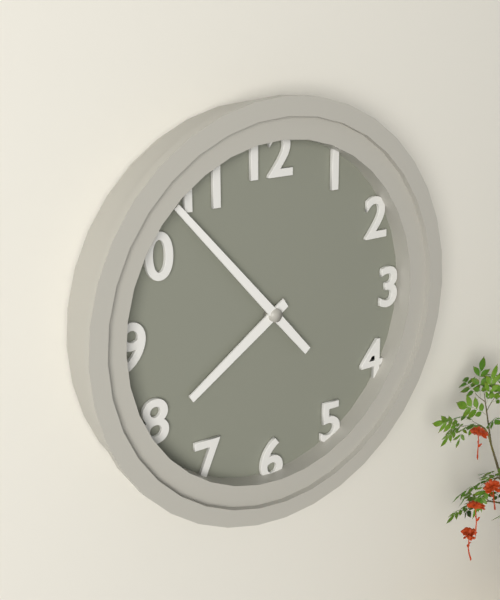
7:53
